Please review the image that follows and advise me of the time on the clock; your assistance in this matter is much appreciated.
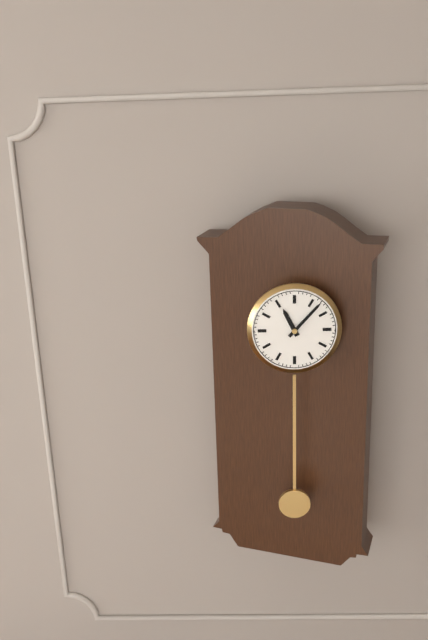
11:07
